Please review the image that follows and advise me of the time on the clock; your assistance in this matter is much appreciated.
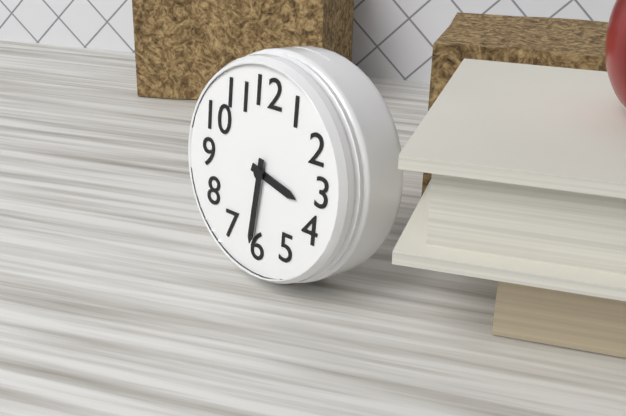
3:31
